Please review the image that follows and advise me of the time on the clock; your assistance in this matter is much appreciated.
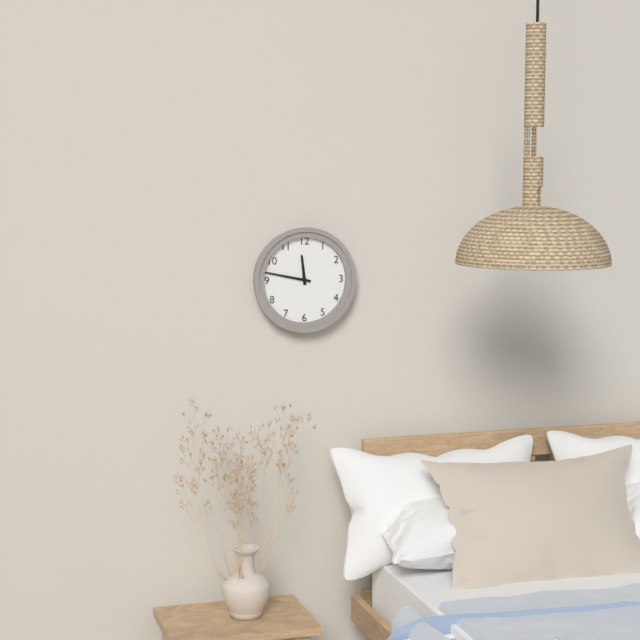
11:47
